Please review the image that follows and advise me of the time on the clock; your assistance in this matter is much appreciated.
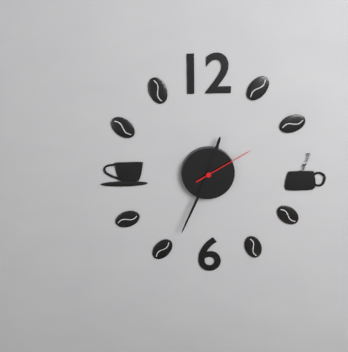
12:34:10
